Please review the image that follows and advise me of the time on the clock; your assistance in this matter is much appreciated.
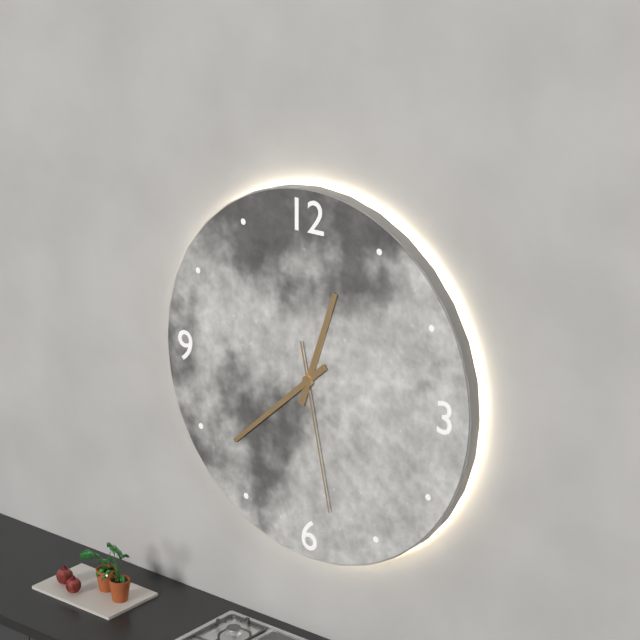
12:38:28
